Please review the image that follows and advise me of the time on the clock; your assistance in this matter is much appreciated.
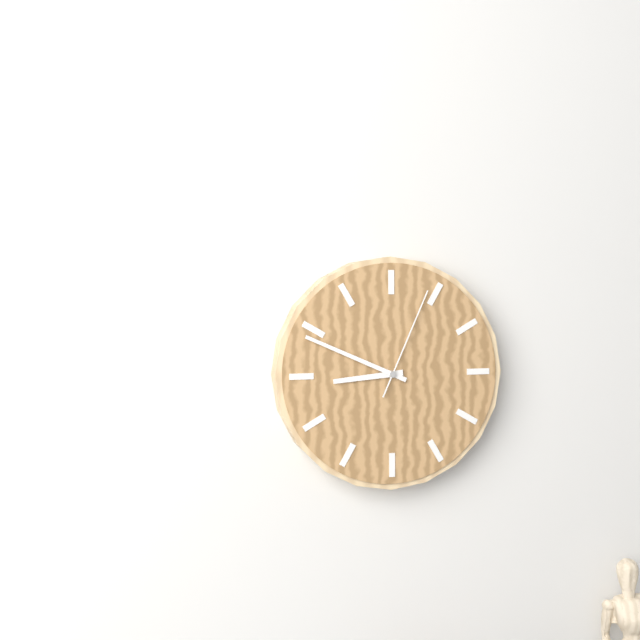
8:49:04
